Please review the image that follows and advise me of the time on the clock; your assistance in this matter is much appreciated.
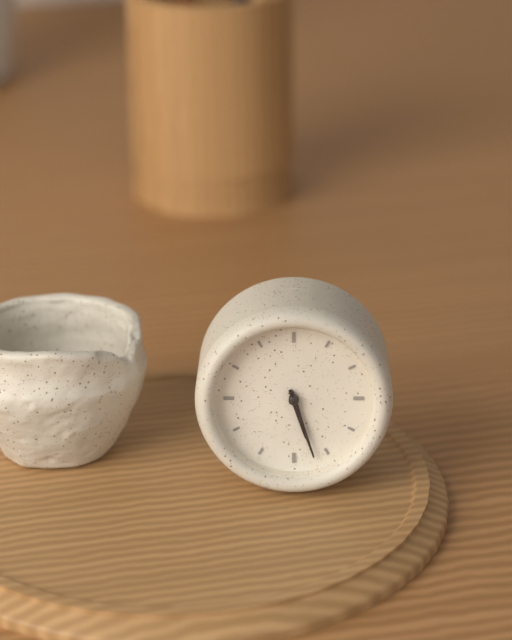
5:27
